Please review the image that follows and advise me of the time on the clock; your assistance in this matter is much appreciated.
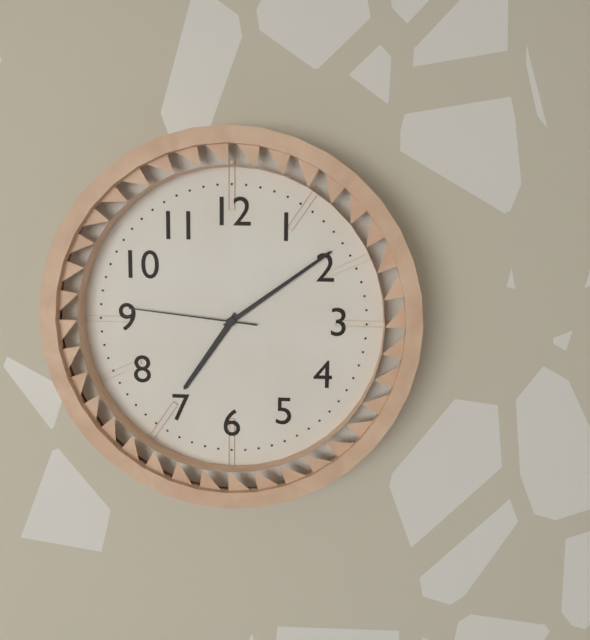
7:09:46
